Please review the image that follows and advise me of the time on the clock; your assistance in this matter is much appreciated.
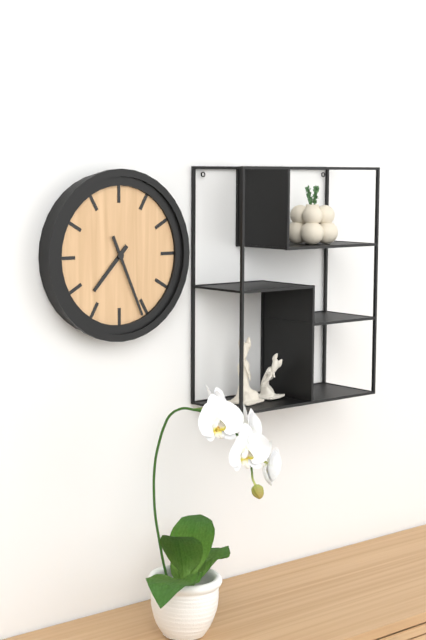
7:26
